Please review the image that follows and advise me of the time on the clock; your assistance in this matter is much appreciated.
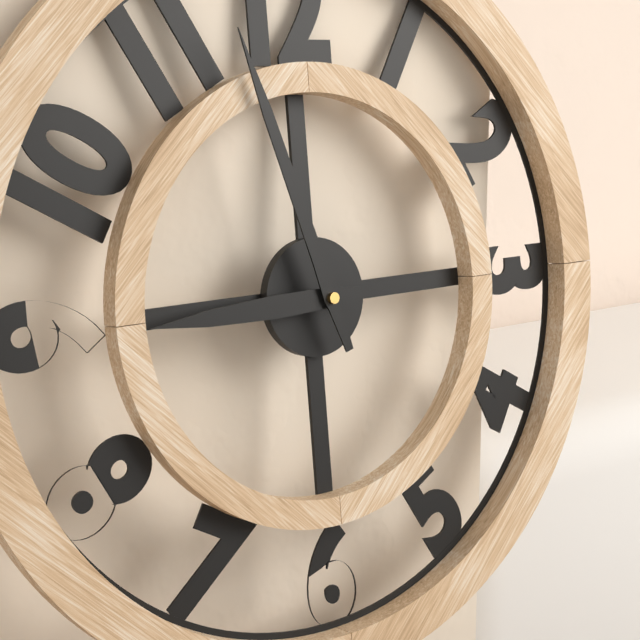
8:57
